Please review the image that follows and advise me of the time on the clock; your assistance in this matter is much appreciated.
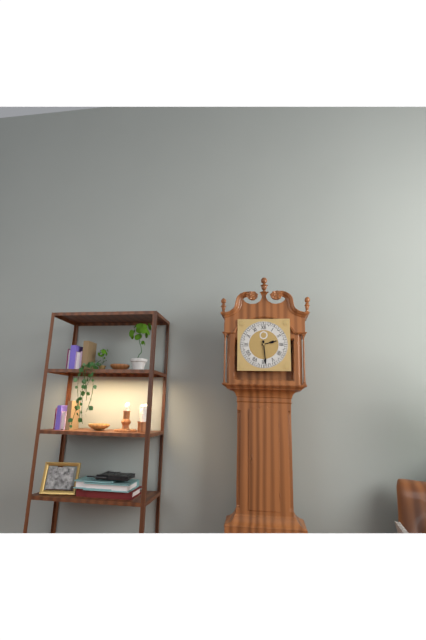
2:29
